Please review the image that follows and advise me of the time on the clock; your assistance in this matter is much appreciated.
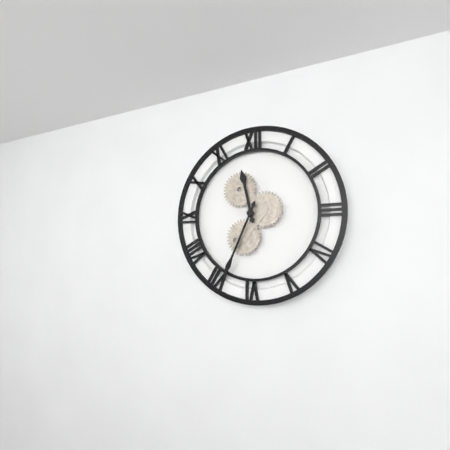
11:34
